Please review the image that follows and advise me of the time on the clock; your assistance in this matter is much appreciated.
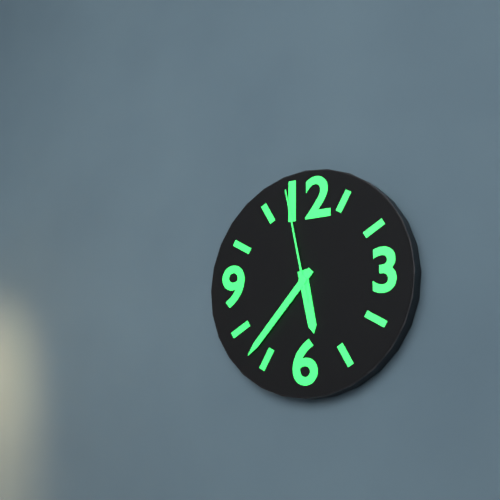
5:37:58
